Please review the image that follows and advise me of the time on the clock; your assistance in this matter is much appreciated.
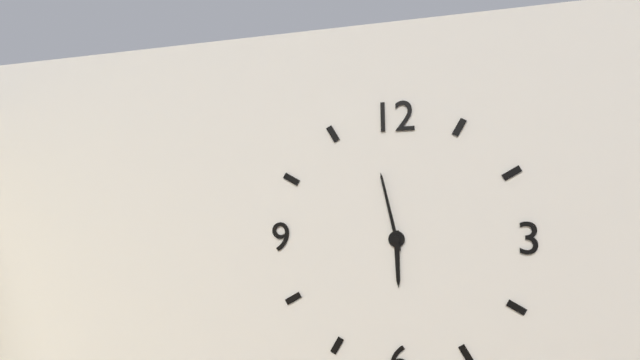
5:58
